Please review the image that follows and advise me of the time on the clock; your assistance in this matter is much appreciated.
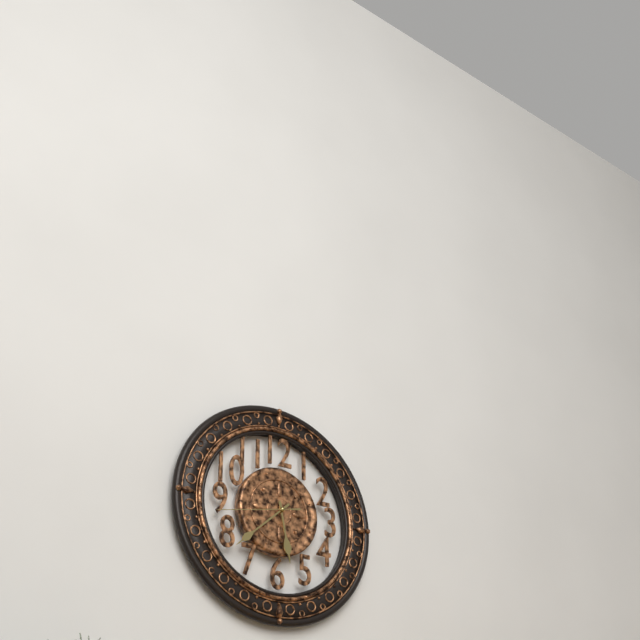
5:38:43
